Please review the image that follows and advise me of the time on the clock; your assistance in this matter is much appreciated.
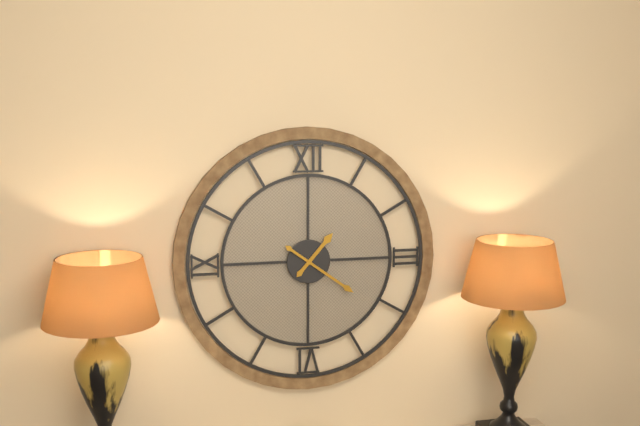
1:21
